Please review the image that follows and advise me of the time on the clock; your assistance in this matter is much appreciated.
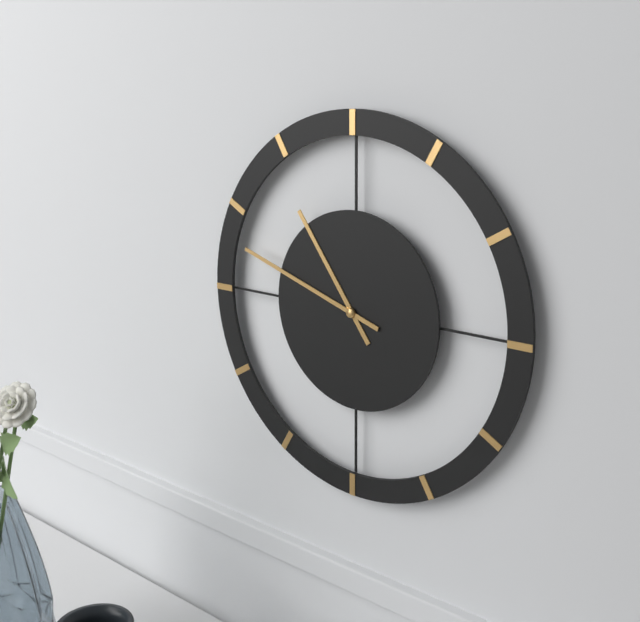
10:48
